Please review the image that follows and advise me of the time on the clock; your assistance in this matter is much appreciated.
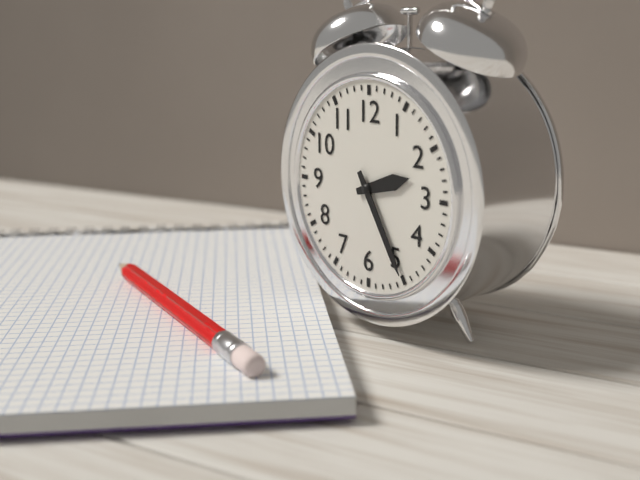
2:25
